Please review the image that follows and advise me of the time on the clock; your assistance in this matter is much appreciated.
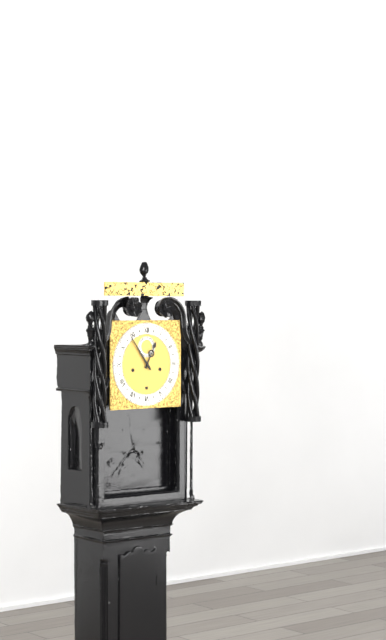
12:54
